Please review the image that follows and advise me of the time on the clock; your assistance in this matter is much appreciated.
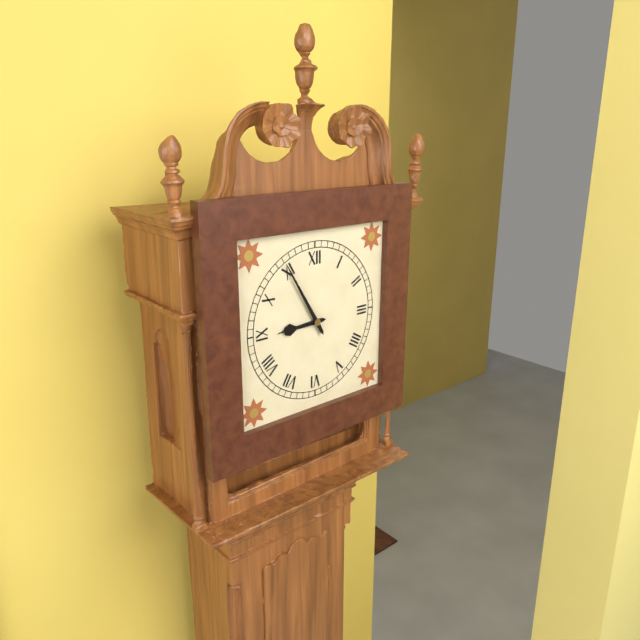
8:55
